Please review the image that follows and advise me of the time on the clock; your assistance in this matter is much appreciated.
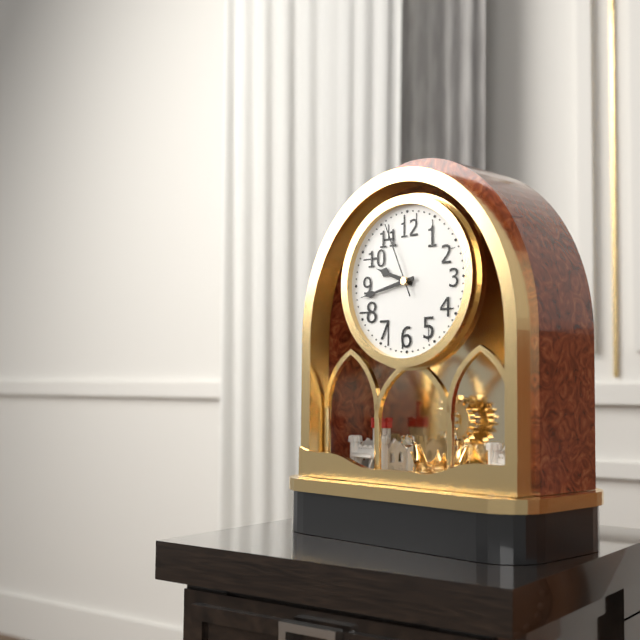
9:43:56
